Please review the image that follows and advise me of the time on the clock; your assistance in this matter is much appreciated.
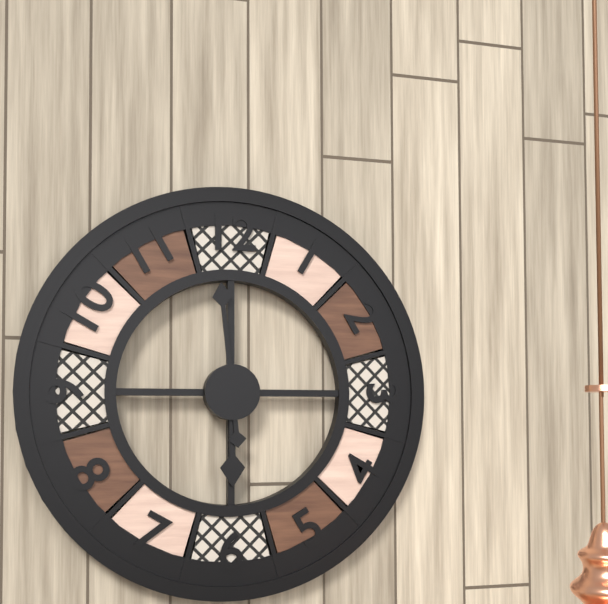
5:59
